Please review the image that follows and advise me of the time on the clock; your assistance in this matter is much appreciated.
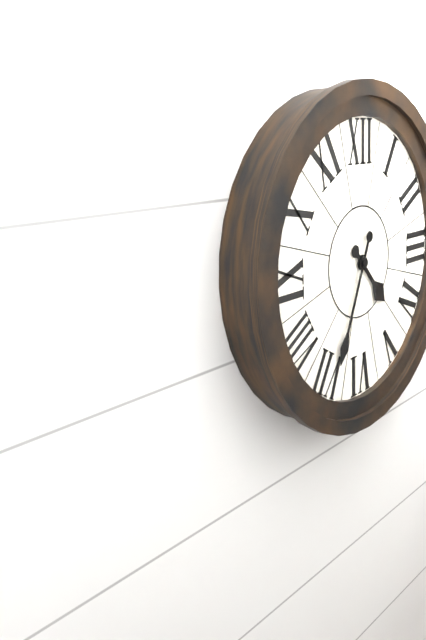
4:34
